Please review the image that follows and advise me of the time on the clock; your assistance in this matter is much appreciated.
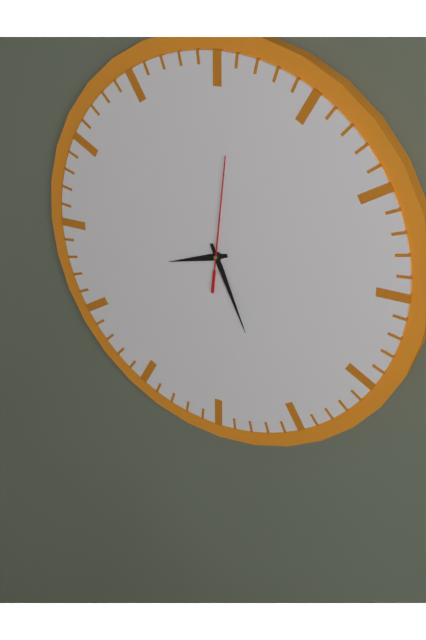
8:26:01
